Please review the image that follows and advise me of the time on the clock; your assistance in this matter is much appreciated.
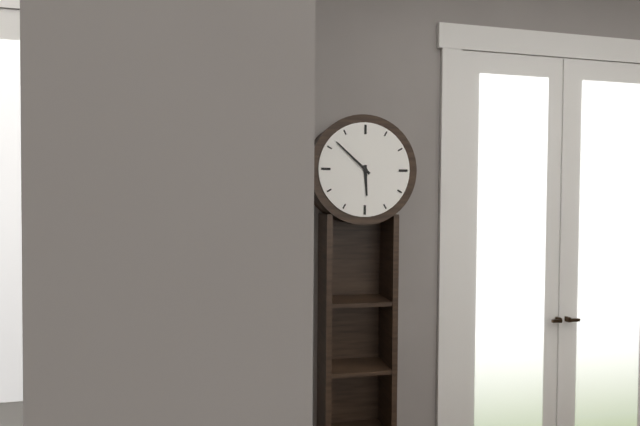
5:52
